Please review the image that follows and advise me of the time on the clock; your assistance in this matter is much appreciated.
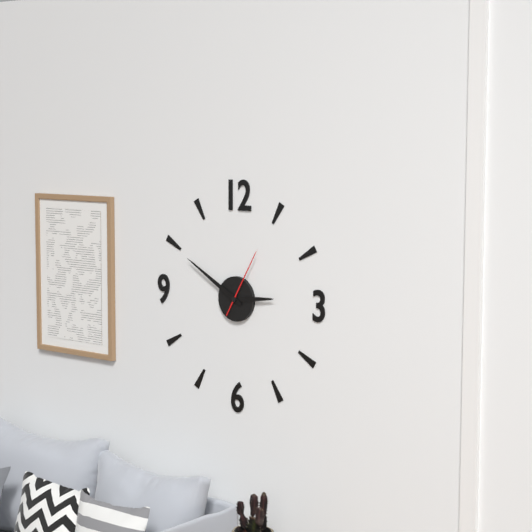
2:50:05
